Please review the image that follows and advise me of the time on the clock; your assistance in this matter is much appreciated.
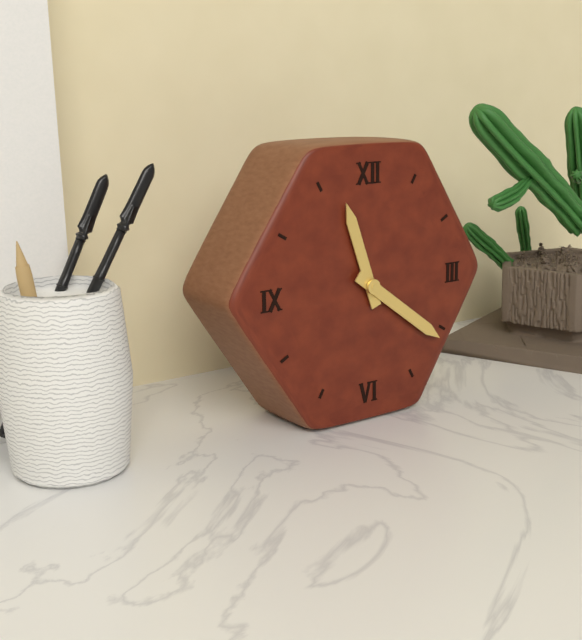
11:21
